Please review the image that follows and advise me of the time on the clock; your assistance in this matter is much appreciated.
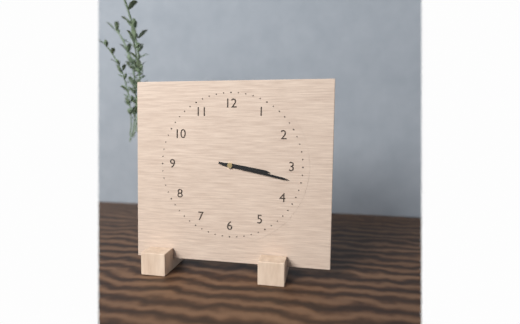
3:17
